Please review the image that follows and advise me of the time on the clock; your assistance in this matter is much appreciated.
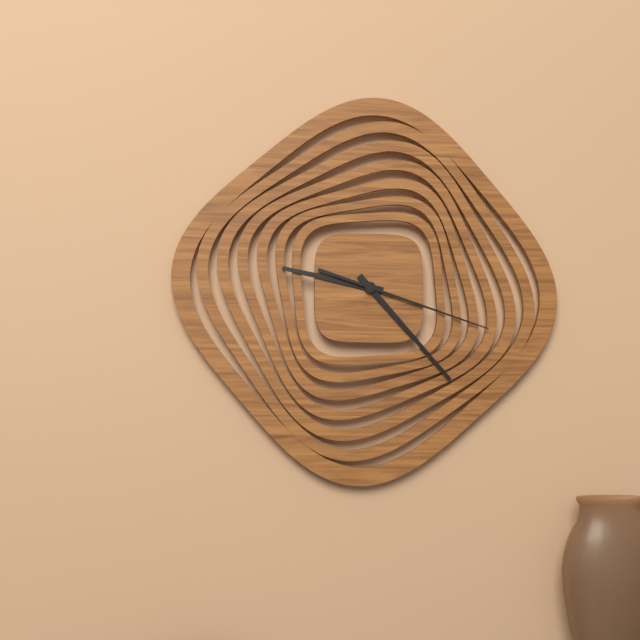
9:23:18
